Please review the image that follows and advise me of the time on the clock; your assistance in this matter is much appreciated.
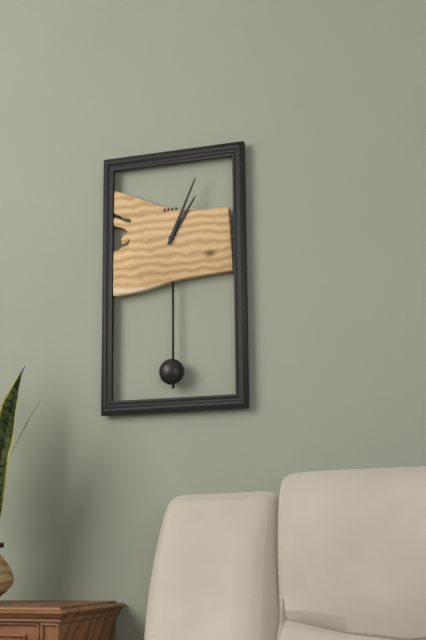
1:04
